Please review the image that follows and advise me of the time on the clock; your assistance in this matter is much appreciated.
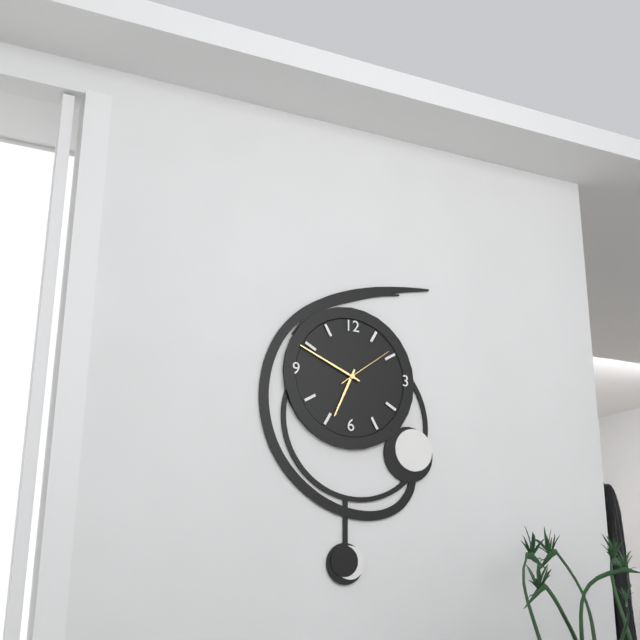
6:49:09
